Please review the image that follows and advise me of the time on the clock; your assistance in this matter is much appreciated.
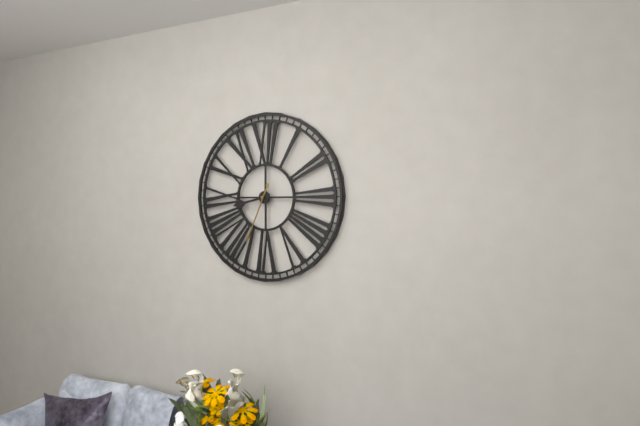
8:34
